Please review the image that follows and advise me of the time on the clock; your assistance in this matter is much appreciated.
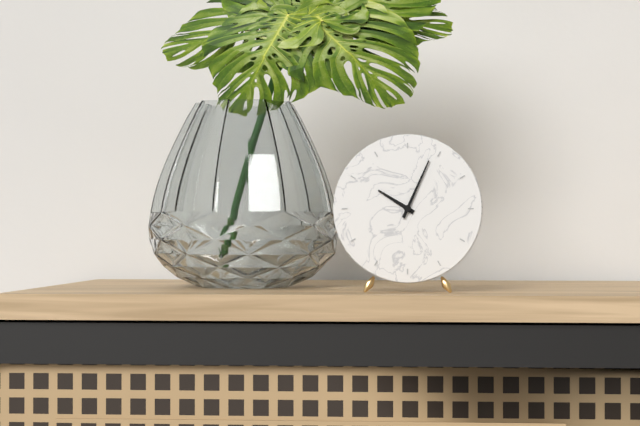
10:04
